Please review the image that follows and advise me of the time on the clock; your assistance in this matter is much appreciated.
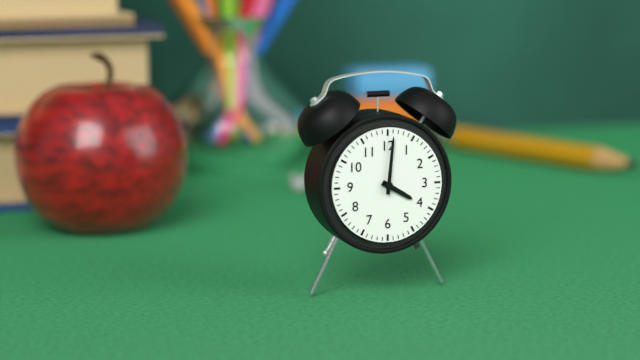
4:01
